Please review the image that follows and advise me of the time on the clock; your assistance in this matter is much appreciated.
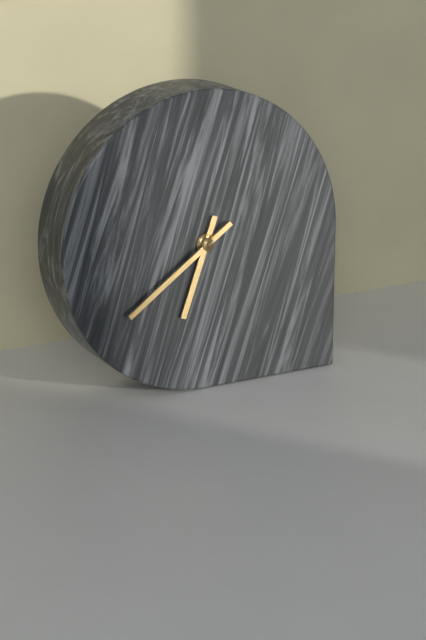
6:39
